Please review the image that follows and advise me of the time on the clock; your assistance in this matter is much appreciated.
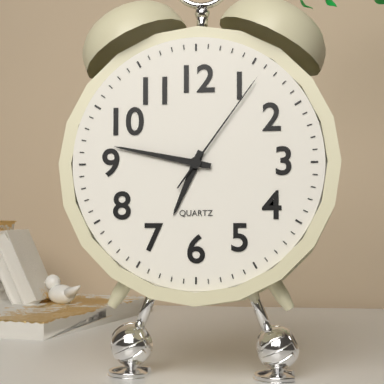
6:47:06
